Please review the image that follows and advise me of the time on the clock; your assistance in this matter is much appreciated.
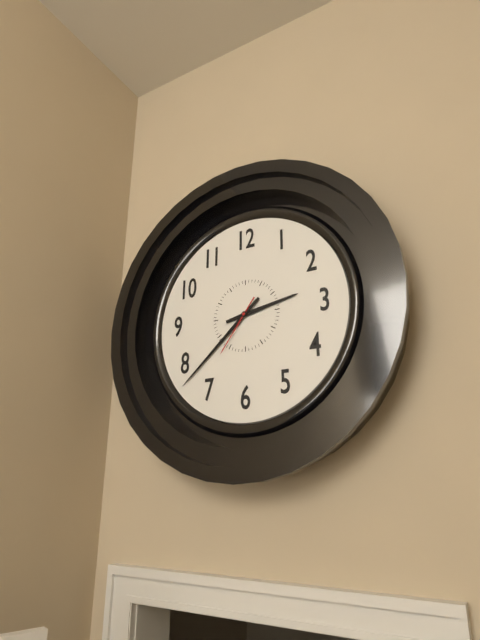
2:38:36
